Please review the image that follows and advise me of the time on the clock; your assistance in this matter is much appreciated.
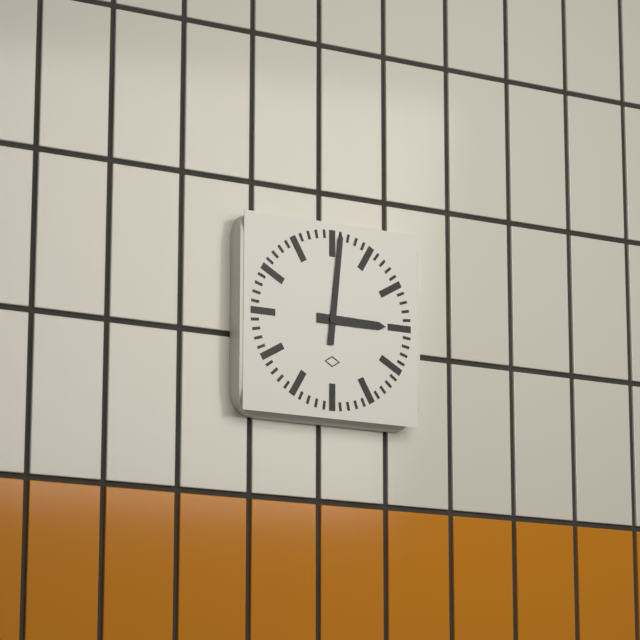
3:01
